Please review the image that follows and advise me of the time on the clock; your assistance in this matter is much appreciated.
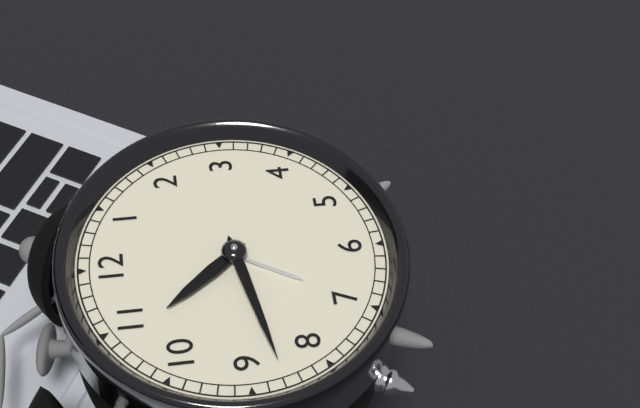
10:43
